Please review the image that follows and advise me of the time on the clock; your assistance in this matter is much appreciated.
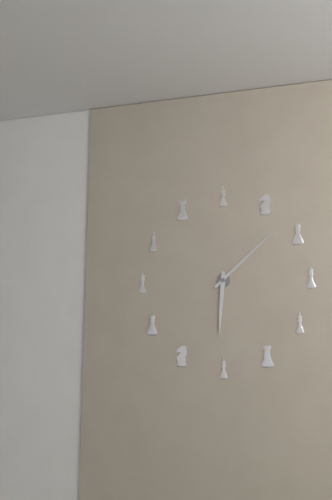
6:08
